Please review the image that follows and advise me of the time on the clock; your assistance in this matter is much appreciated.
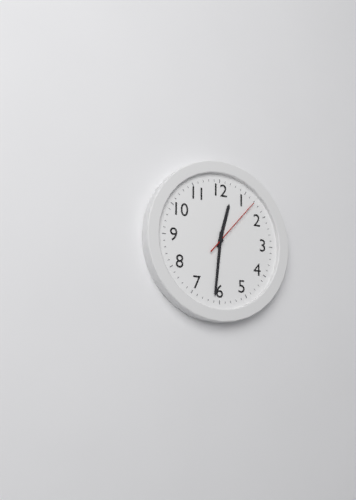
12:31:07
